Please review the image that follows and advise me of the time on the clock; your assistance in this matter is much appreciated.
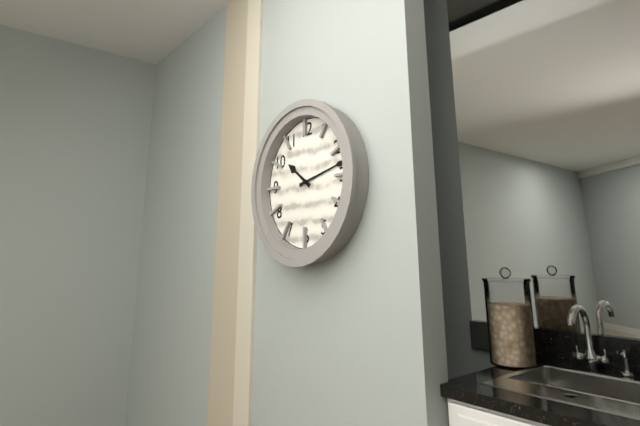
10:13
